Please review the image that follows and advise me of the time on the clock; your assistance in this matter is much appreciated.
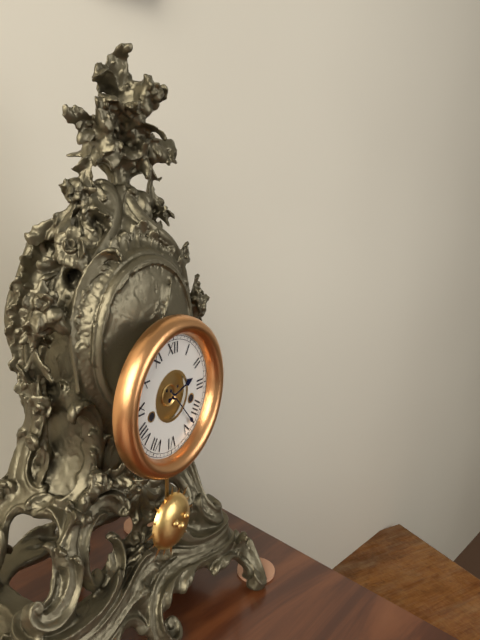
2:23
